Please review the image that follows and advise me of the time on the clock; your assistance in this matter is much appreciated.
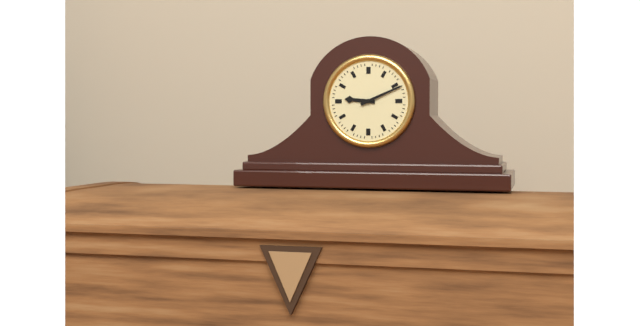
9:11
